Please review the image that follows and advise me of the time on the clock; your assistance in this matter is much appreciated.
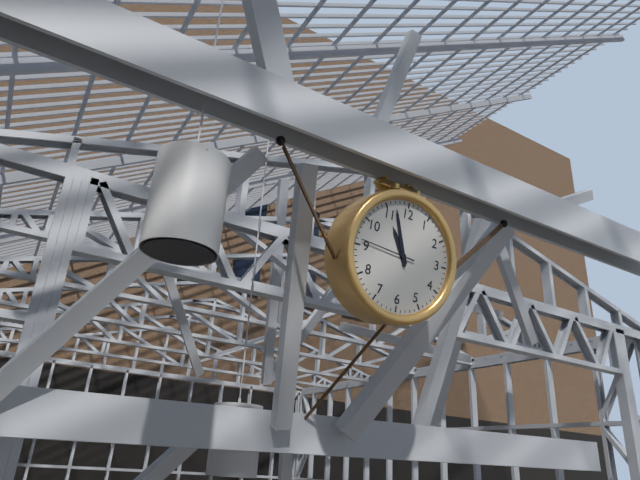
10:57:46
